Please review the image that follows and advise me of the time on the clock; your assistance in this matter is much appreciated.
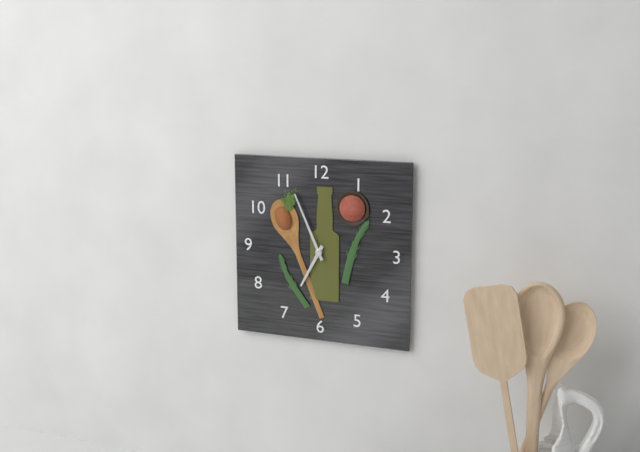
6:56
